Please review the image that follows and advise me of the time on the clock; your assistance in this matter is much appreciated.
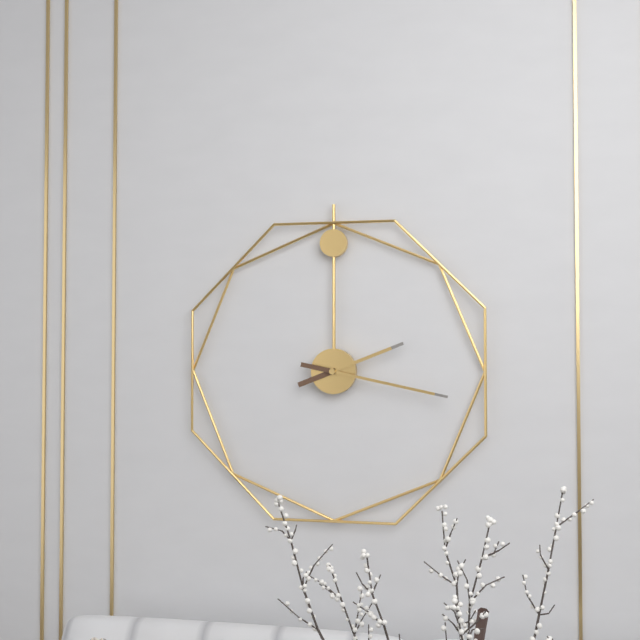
2:17
